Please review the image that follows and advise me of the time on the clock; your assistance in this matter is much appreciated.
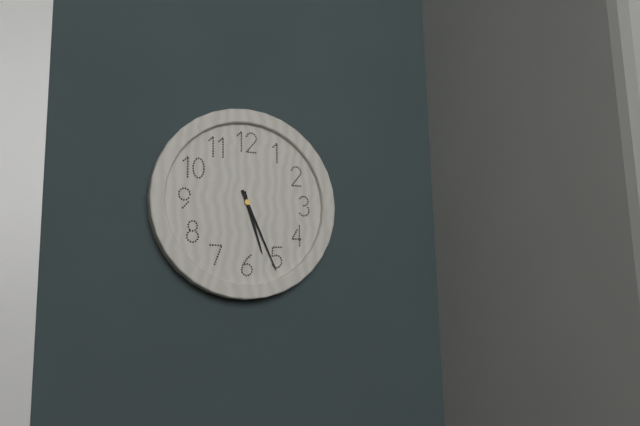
5:26
